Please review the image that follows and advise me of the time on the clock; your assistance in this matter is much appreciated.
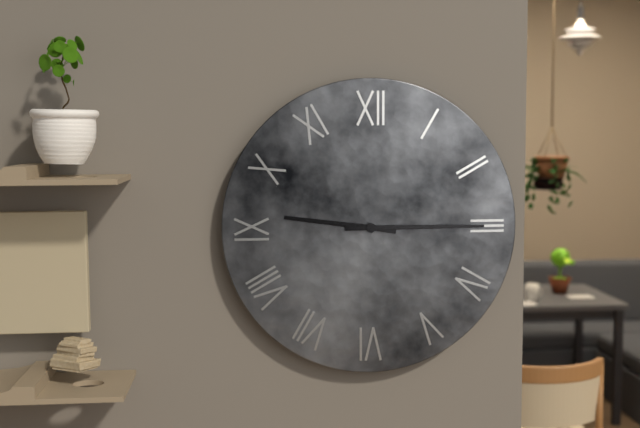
9:15
